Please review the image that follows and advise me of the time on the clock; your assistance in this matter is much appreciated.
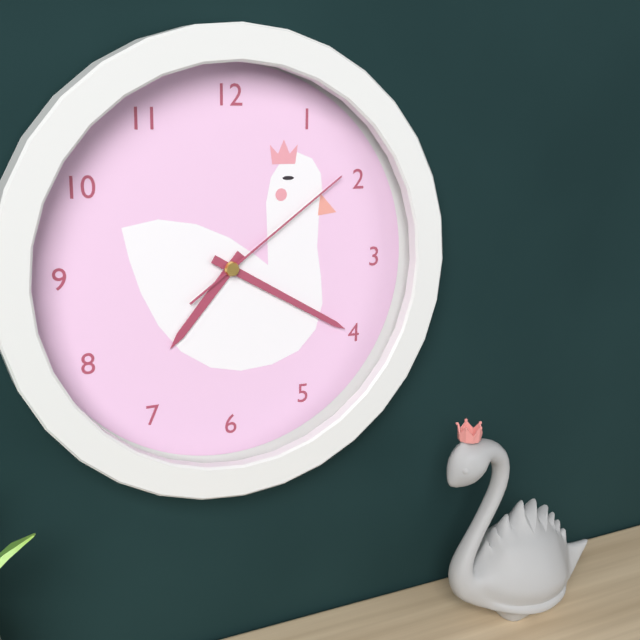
7:20:09
